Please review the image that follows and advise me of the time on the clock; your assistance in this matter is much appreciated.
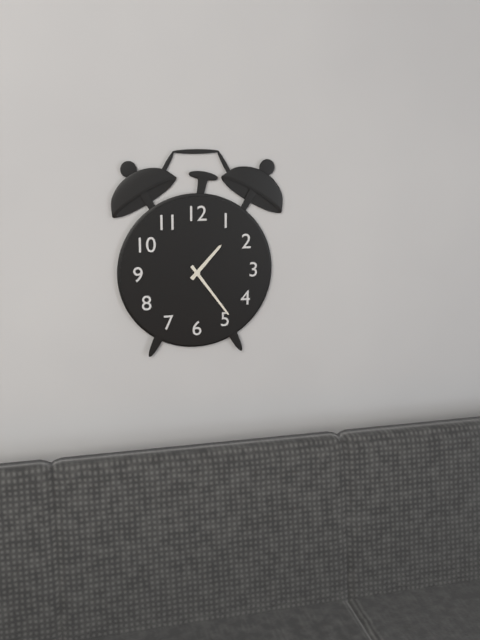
1:24
